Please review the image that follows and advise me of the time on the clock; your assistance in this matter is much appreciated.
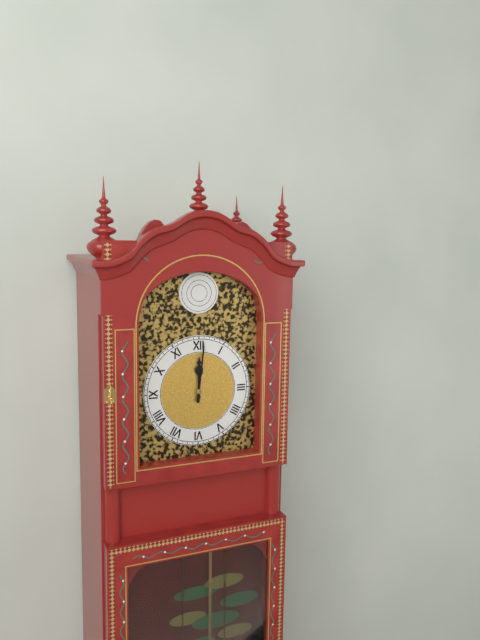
12:01
